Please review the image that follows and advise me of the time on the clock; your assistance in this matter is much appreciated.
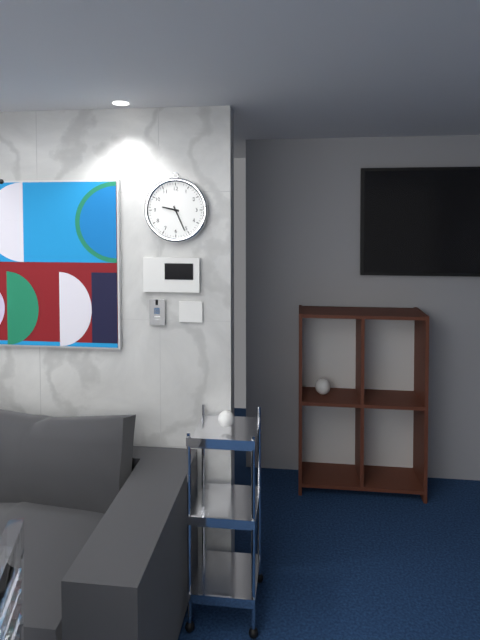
9:26
